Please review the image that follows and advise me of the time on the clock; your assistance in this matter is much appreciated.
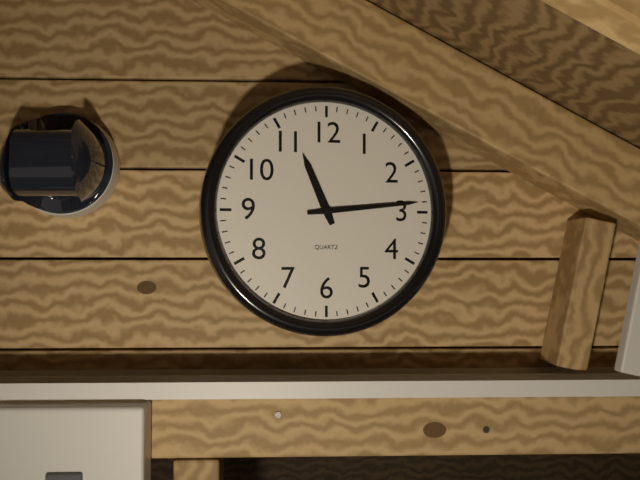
11:14
